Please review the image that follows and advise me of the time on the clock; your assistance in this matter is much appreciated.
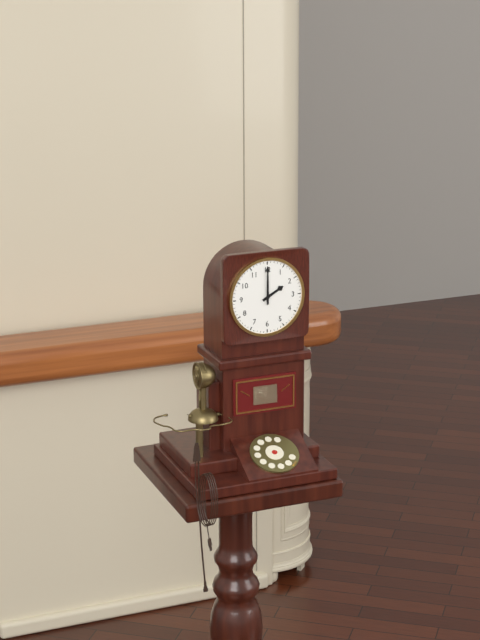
2:00
